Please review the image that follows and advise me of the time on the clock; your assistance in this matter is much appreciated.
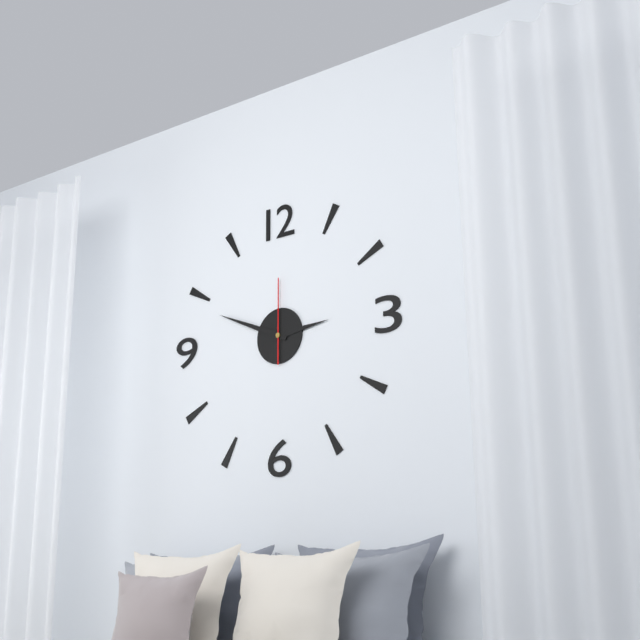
2:49:00
